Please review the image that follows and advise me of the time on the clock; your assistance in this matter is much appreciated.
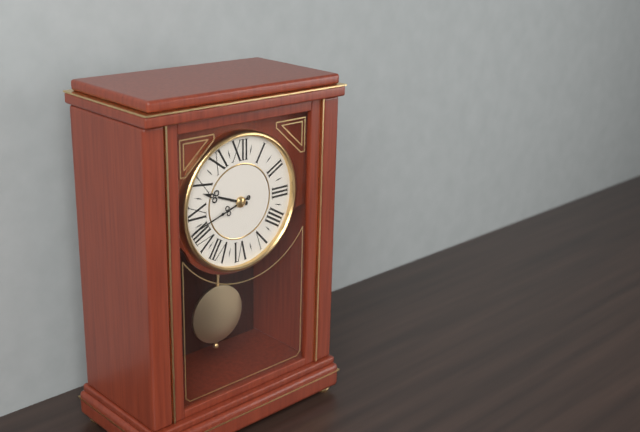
9:42
